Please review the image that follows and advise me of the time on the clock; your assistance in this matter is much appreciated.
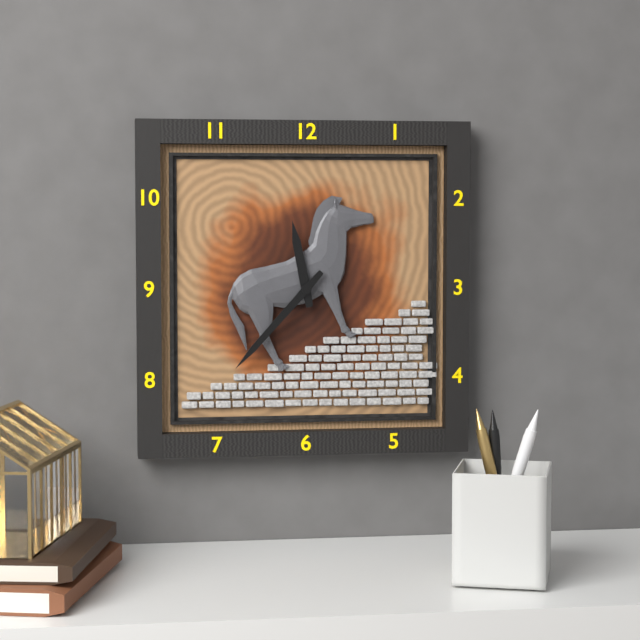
11:37
